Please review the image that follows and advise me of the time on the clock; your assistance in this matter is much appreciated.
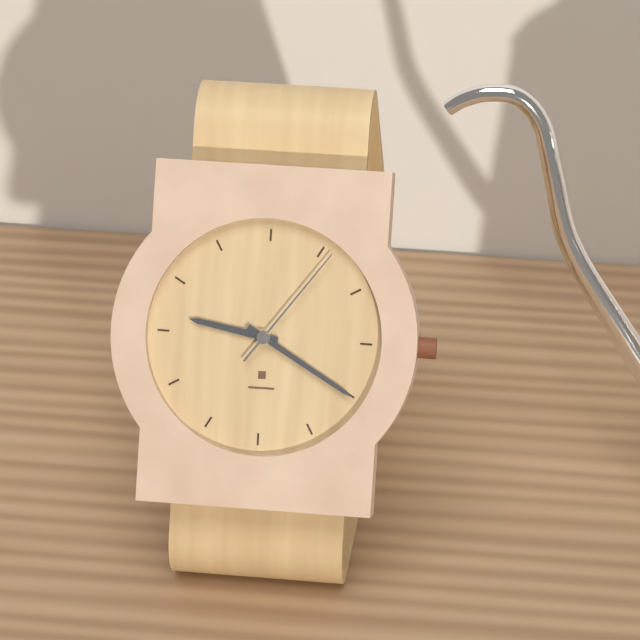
9:20:06
